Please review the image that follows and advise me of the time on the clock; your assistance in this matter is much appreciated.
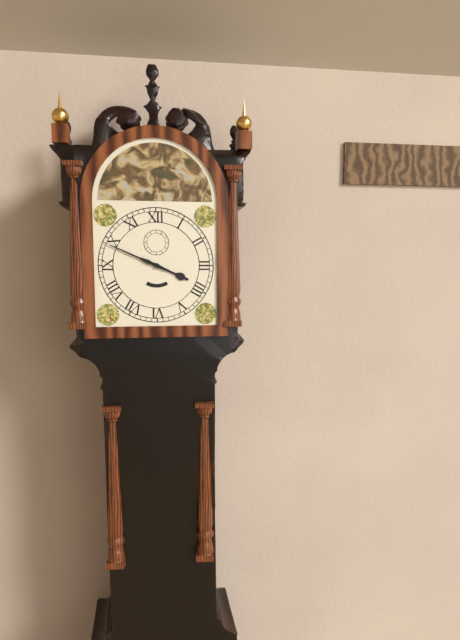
3:49
